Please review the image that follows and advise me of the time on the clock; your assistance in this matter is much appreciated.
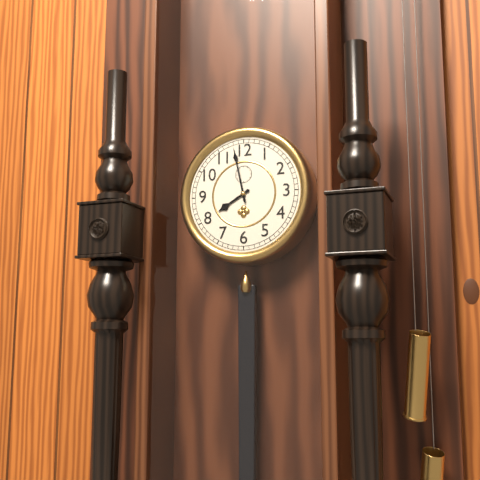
7:58
